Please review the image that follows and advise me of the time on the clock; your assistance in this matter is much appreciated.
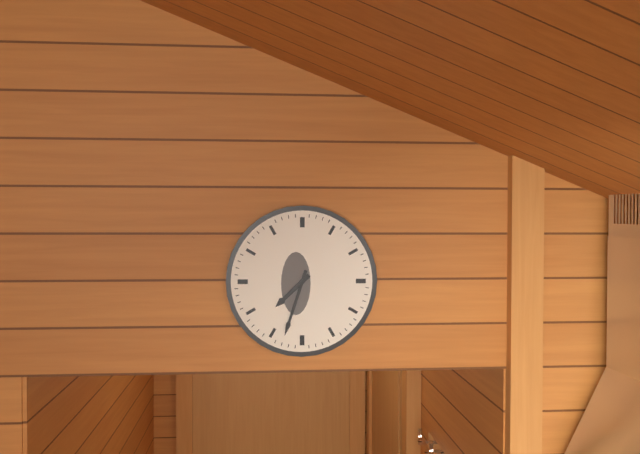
7:33
